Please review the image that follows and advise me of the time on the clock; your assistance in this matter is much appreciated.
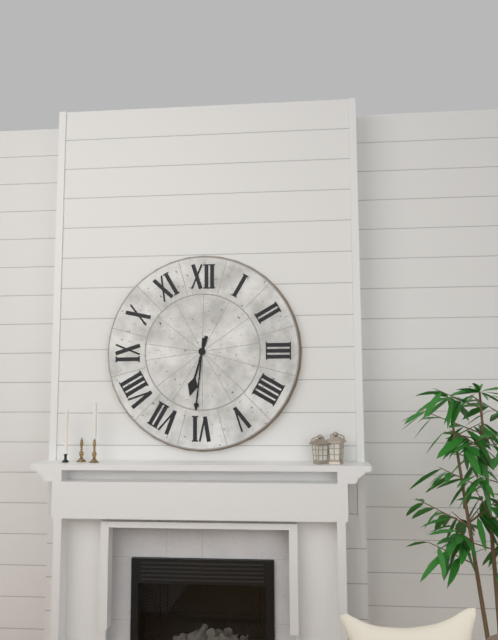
6:31
